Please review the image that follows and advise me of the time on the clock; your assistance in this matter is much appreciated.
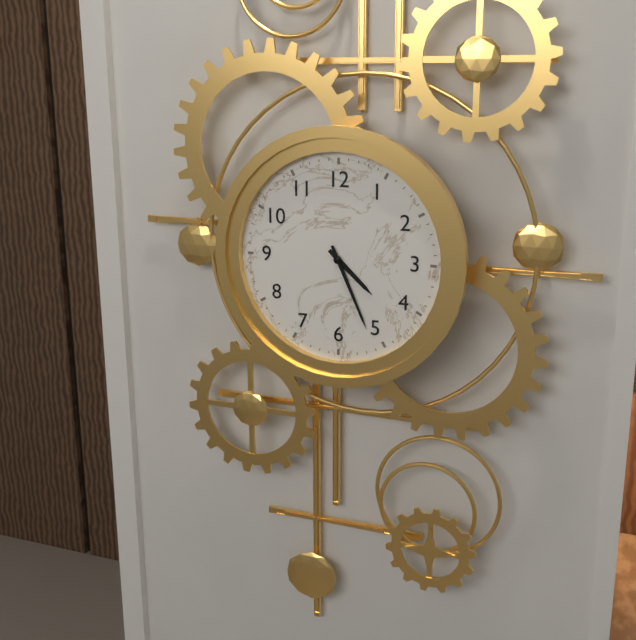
4:26
